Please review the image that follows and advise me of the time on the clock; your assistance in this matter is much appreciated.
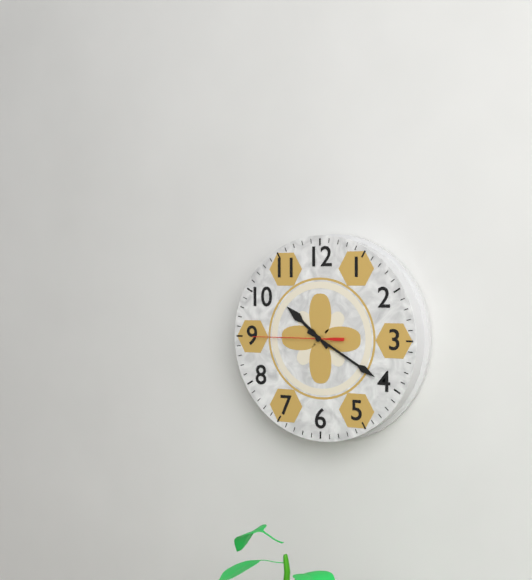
10:20:45
